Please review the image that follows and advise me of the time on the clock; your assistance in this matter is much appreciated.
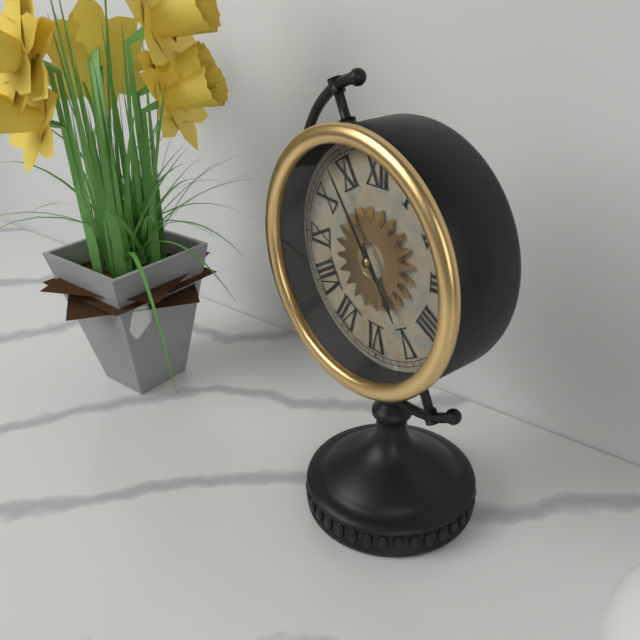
4:54
